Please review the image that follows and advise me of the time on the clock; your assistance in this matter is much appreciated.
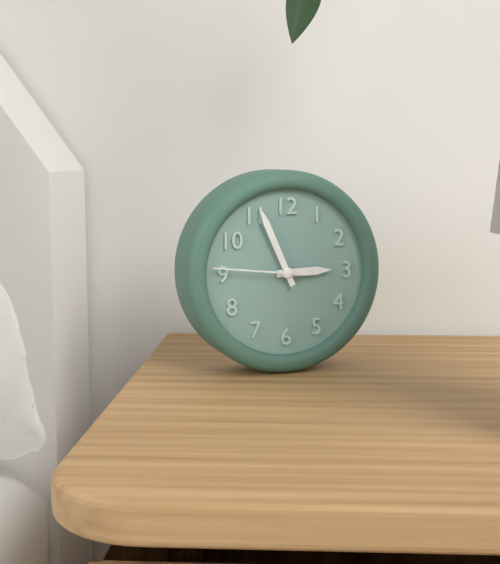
2:56:46
